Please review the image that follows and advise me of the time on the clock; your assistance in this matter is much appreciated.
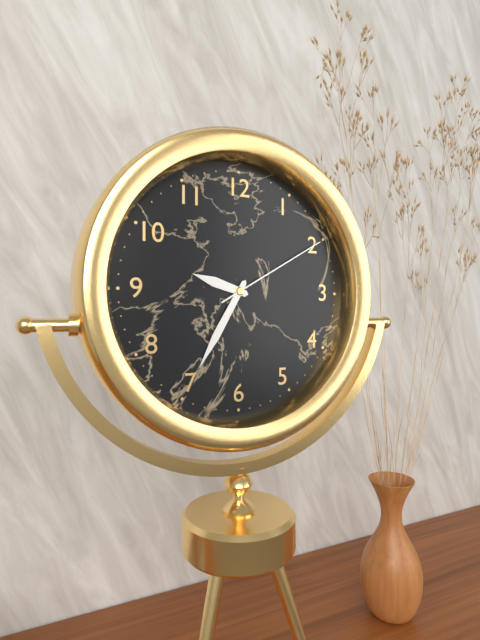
9:35:10
